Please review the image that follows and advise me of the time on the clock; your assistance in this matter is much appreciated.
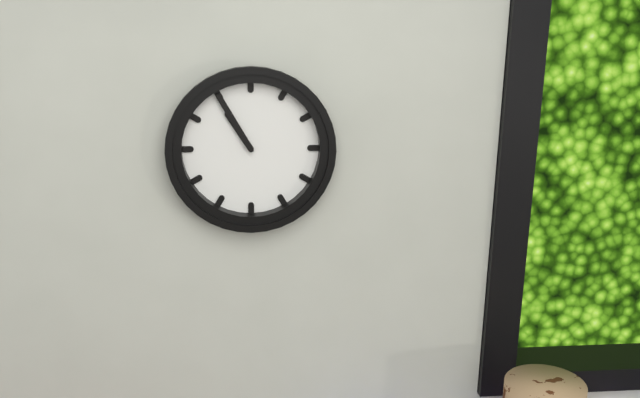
10:55
